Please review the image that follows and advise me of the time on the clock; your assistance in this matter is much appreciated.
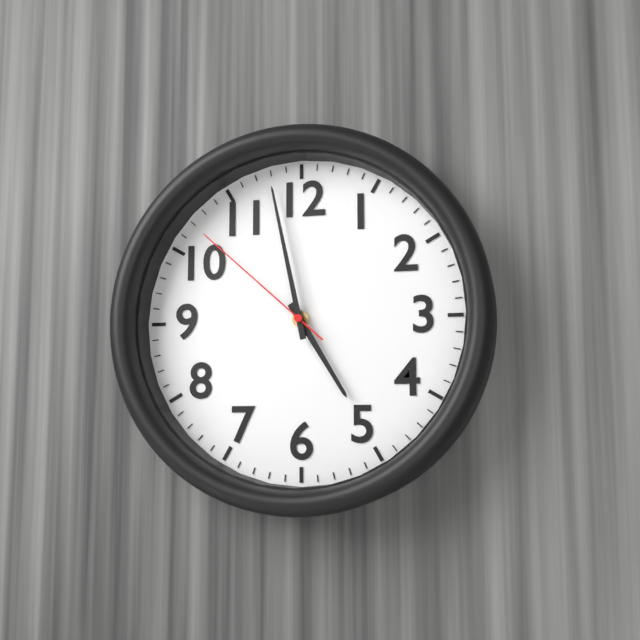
4:58:52
